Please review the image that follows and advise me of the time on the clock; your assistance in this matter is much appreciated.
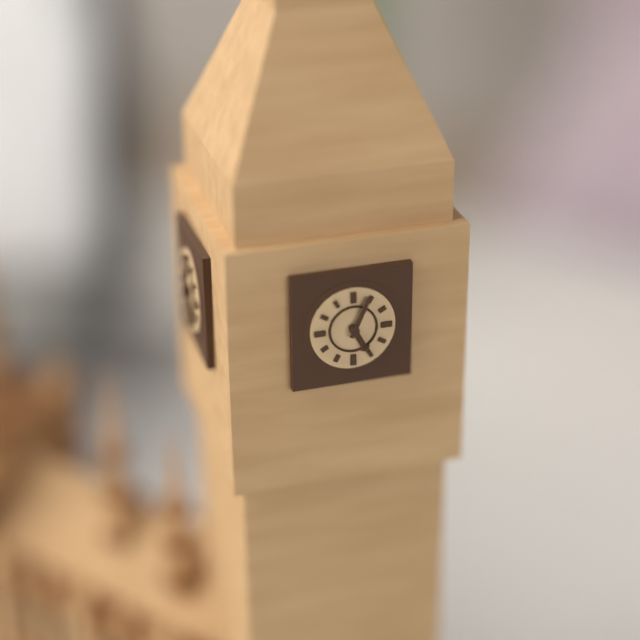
5:04
